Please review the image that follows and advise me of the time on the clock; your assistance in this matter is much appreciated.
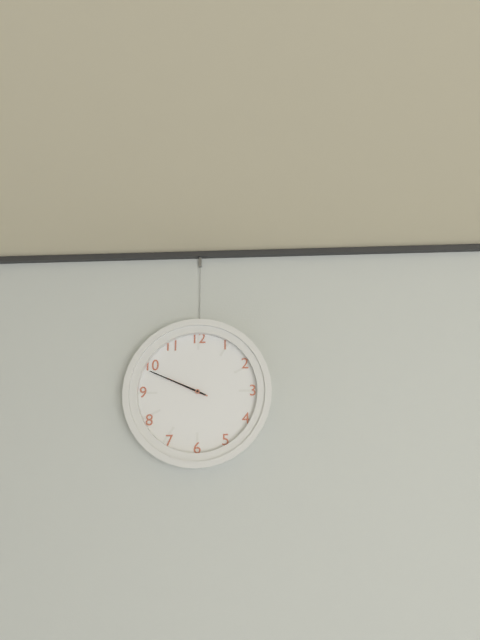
9:49
